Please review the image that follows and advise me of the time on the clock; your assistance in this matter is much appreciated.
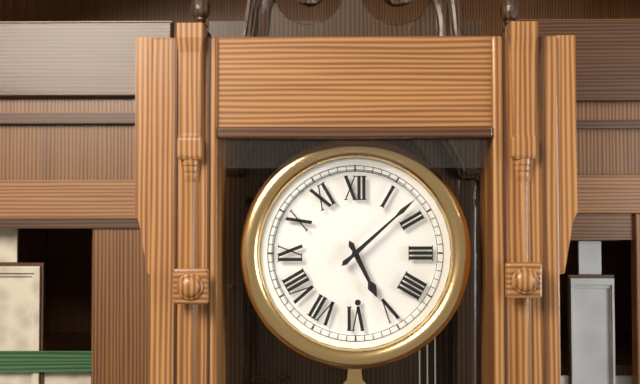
5:08
